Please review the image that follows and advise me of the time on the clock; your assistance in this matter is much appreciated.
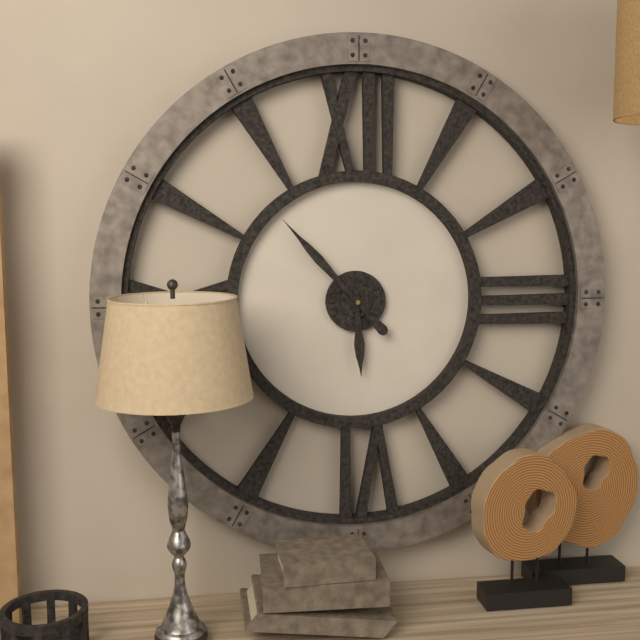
5:53
